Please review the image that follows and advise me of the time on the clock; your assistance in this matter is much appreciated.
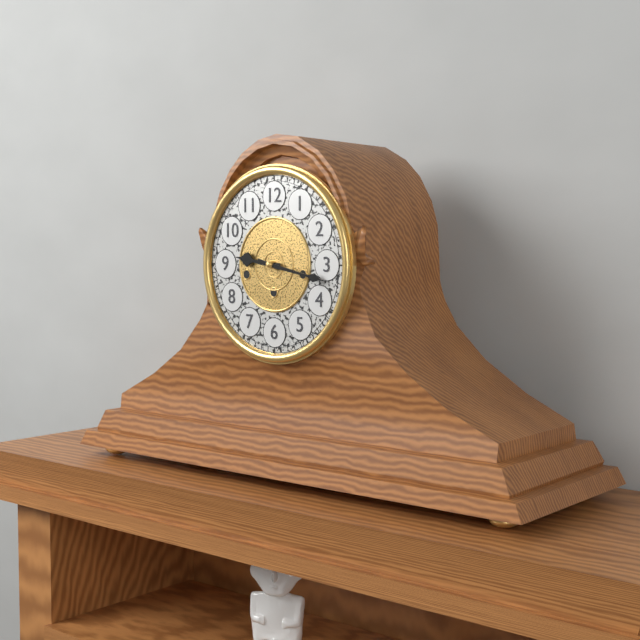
9:17
